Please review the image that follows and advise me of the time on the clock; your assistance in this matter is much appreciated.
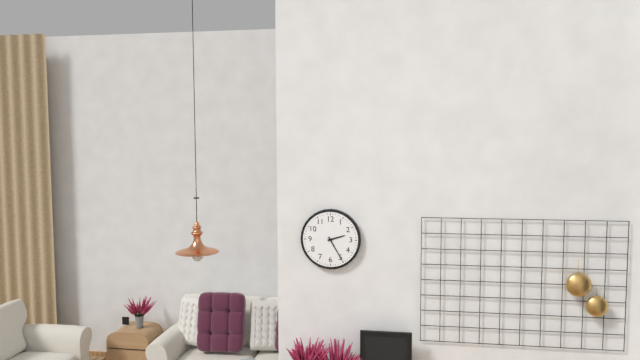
2:25
